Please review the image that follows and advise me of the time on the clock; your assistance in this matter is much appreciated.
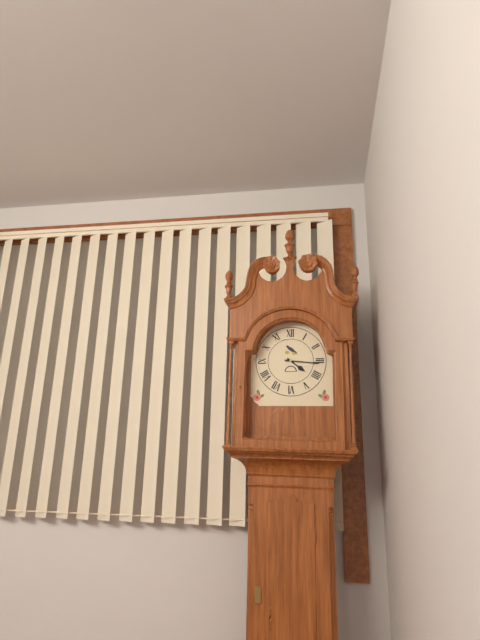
4:16
